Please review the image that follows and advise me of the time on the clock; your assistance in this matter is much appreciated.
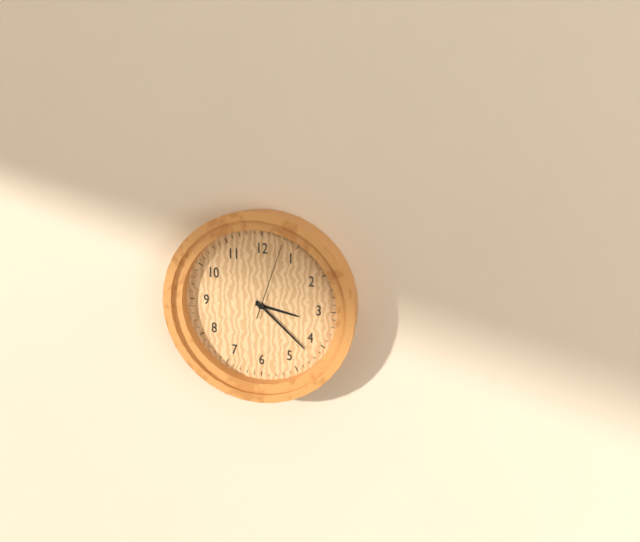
3:22:03
